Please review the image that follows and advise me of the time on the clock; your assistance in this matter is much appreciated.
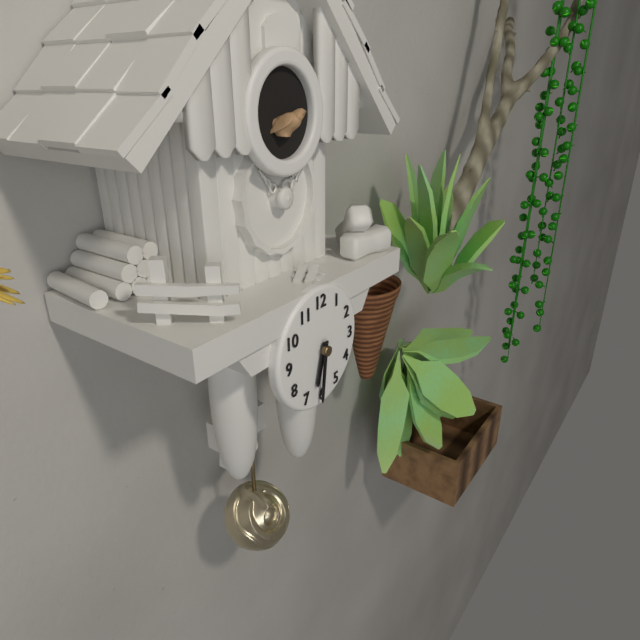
6:31
